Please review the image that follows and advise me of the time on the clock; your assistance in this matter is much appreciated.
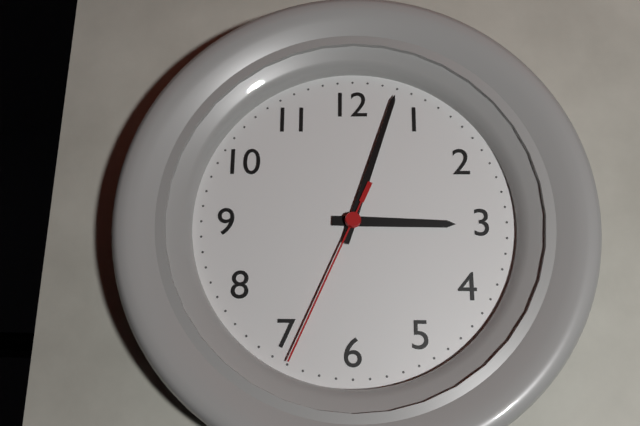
3:03:34
